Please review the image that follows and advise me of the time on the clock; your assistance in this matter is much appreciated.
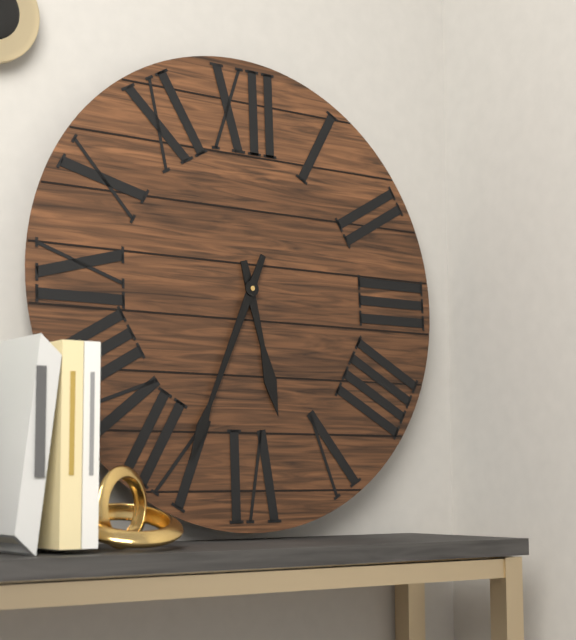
5:34
